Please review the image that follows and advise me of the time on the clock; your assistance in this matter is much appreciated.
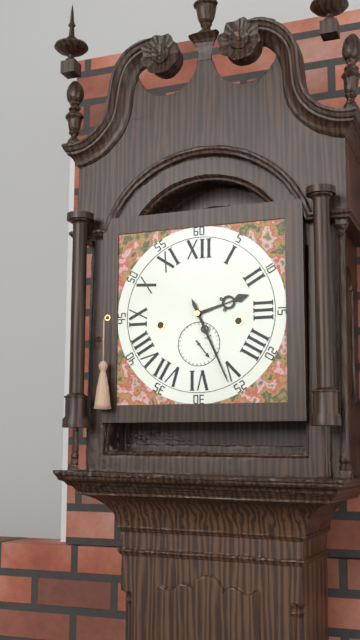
2:26
